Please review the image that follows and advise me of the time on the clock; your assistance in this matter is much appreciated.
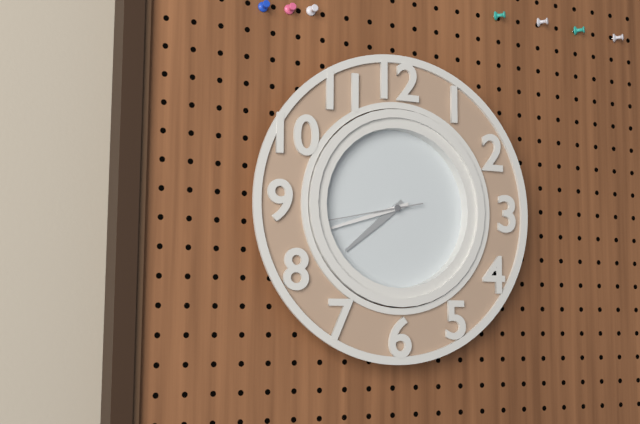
7:42:43
